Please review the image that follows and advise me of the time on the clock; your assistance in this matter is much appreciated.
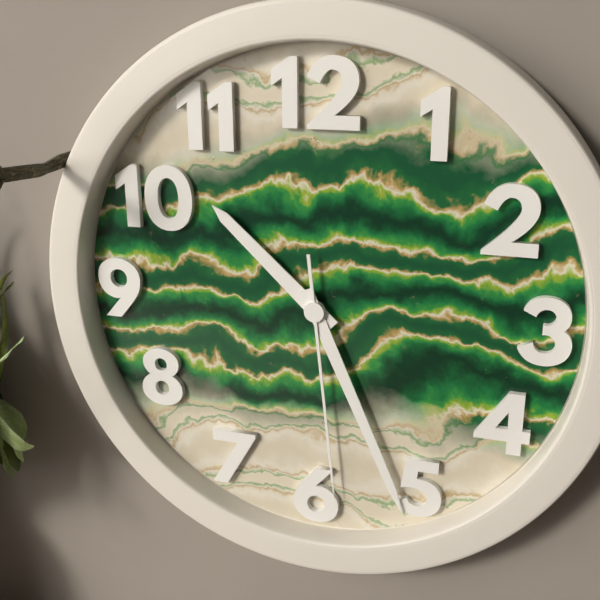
10:26:29
